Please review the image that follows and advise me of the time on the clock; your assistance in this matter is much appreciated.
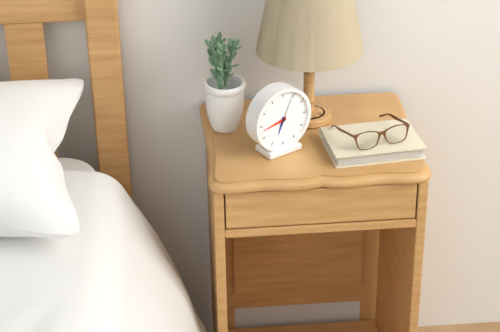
6:43
